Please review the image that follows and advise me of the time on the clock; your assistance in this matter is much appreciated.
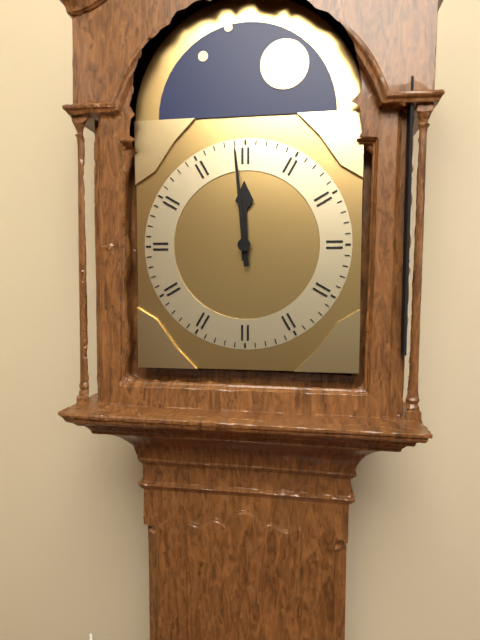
11:59
